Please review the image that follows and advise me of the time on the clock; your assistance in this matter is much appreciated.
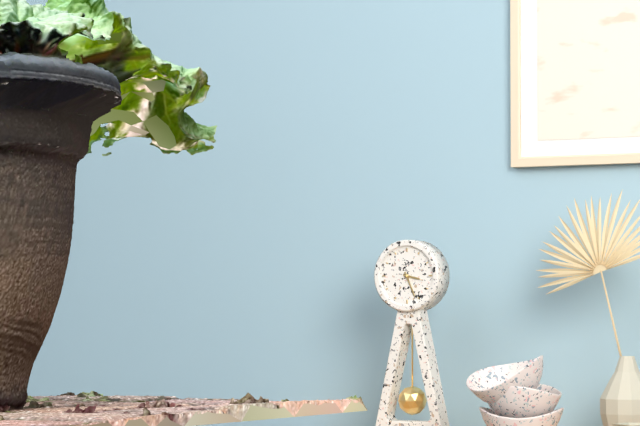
3:26
